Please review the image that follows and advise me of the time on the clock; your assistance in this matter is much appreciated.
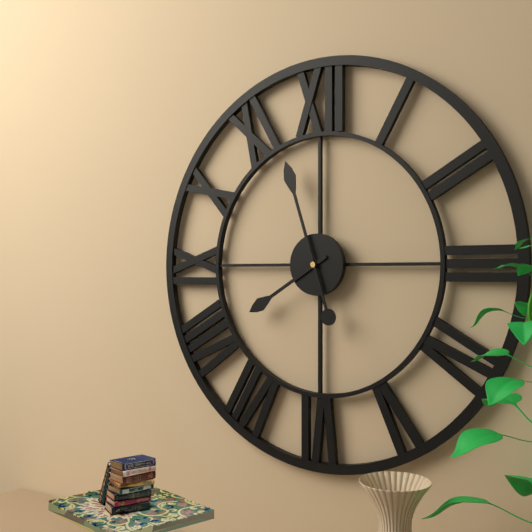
7:57
